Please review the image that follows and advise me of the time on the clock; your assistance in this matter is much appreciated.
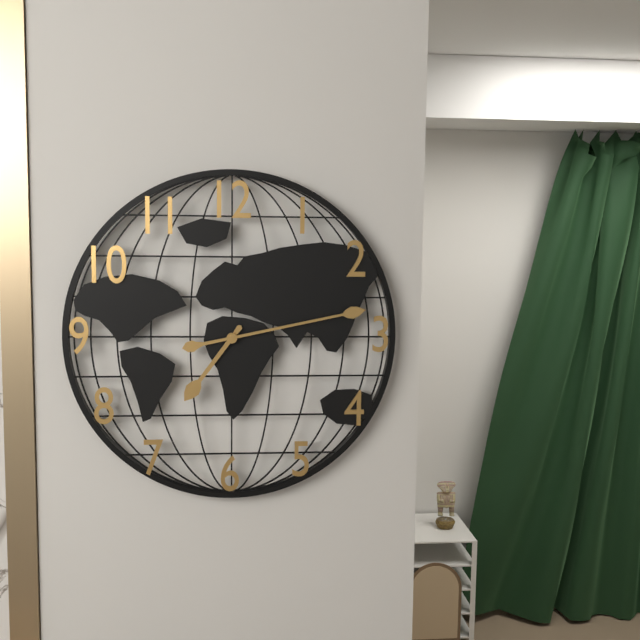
7:13
